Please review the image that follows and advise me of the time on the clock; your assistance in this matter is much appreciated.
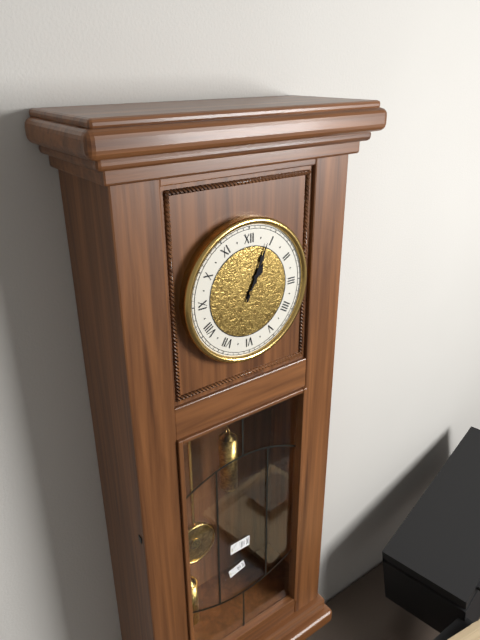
1:04
